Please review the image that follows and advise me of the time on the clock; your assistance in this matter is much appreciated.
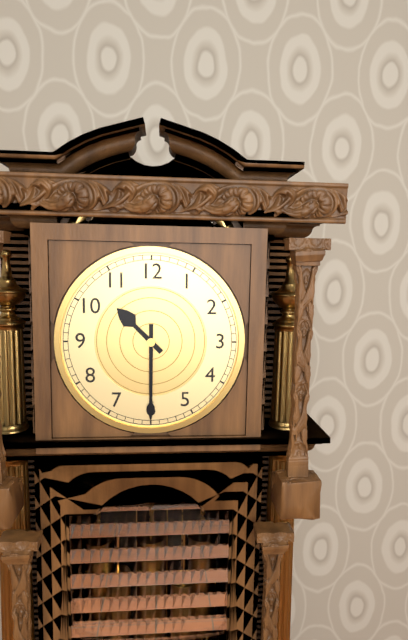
10:30
